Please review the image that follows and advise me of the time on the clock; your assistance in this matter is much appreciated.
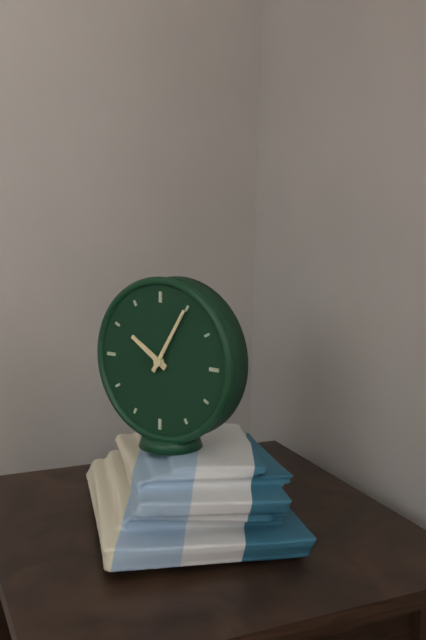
10:05
